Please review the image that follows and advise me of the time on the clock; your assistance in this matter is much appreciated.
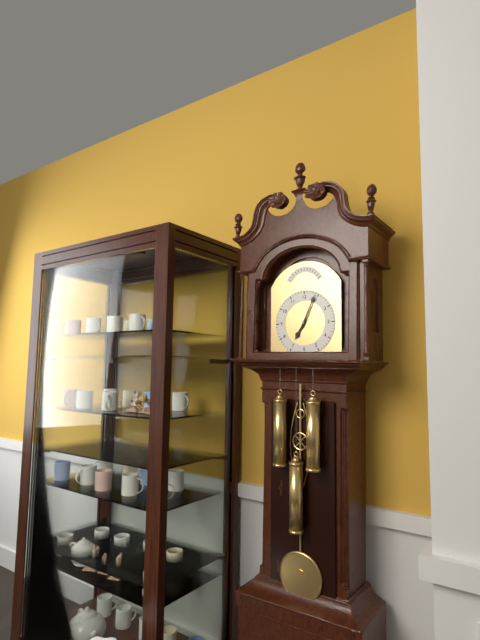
7:04
